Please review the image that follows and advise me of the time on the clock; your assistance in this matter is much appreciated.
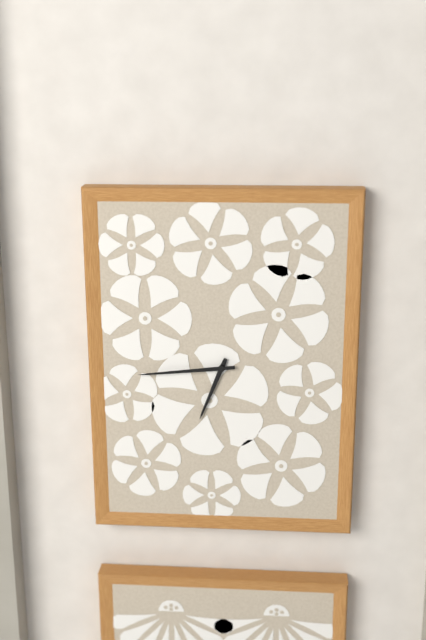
6:44
